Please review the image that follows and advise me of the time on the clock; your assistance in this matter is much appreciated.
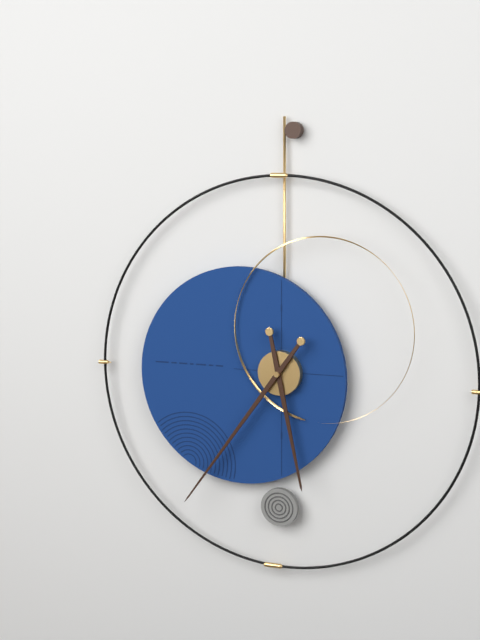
5:36
